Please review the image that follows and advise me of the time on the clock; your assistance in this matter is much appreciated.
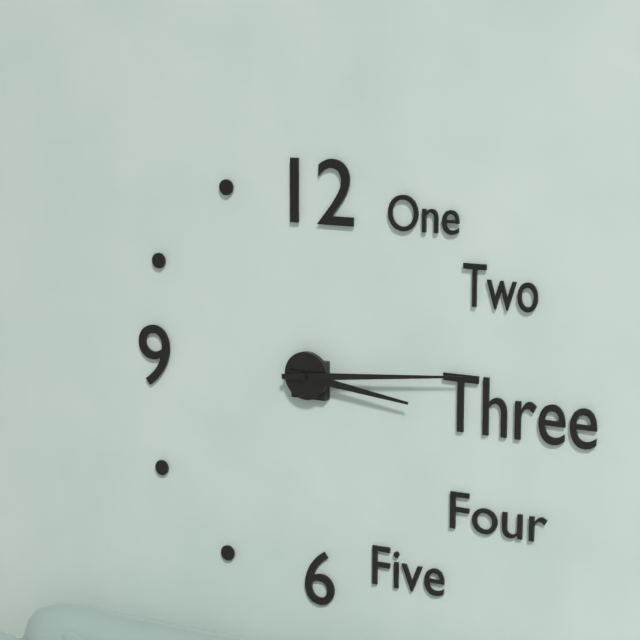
3:14
